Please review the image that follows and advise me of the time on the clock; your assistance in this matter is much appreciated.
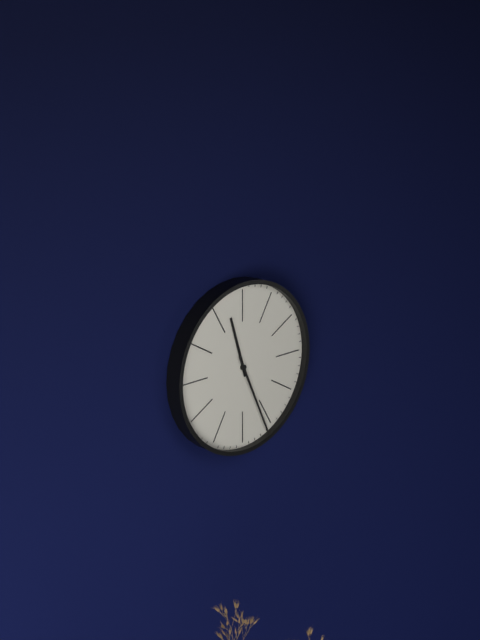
11:26
